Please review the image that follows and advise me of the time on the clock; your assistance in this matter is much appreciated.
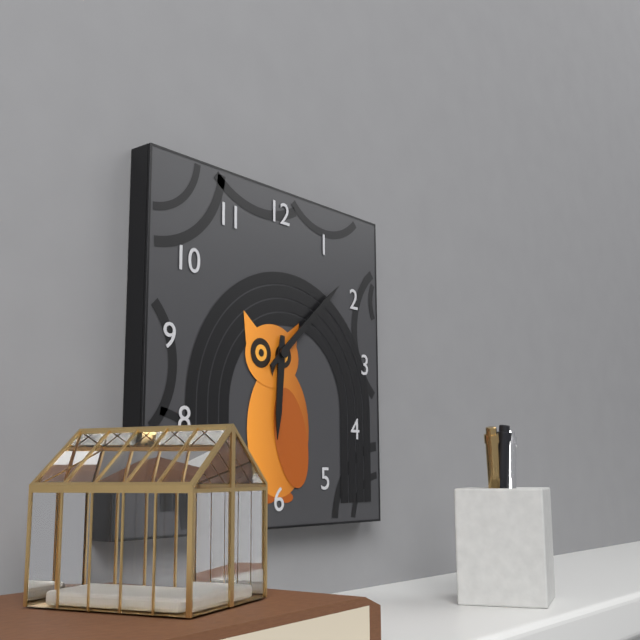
6:08
